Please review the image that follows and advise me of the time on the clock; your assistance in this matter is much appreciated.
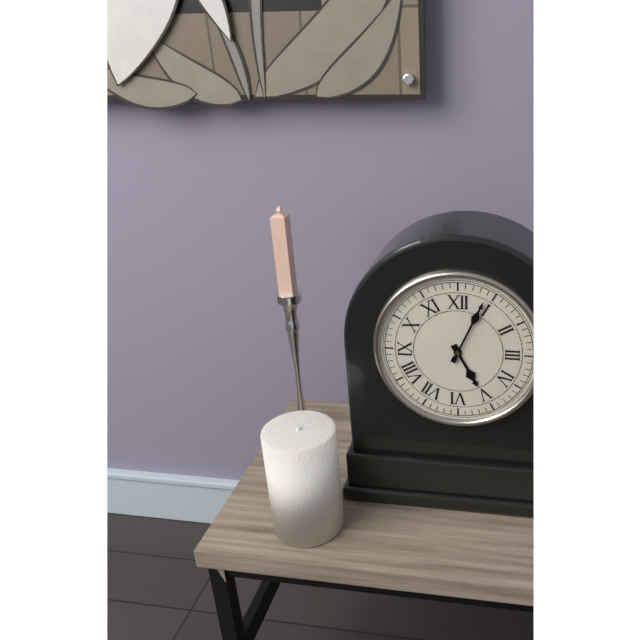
5:04
